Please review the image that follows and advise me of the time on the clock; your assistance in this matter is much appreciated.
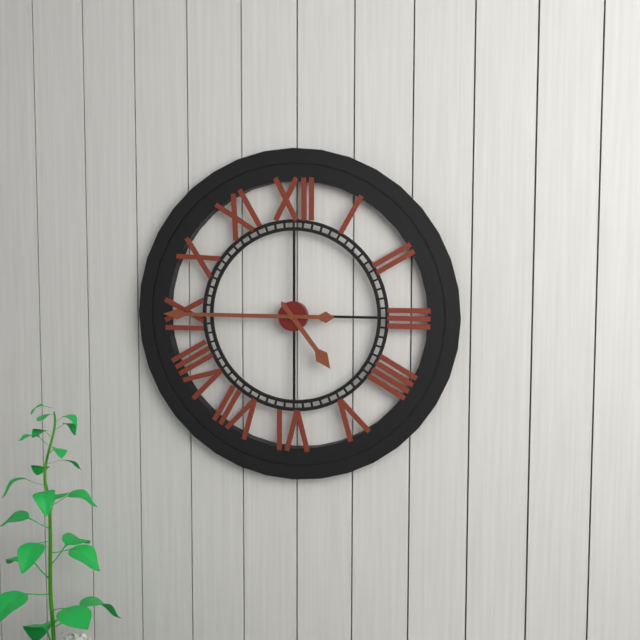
4:45
